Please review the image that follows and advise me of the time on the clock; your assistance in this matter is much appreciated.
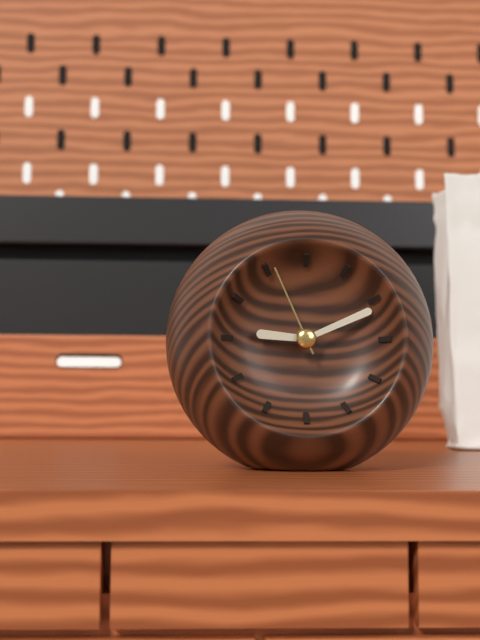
9:11:56
